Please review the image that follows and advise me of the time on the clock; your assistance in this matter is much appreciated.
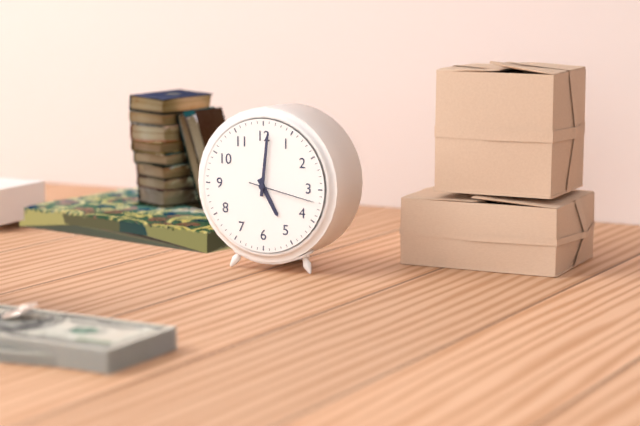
5:01:17
